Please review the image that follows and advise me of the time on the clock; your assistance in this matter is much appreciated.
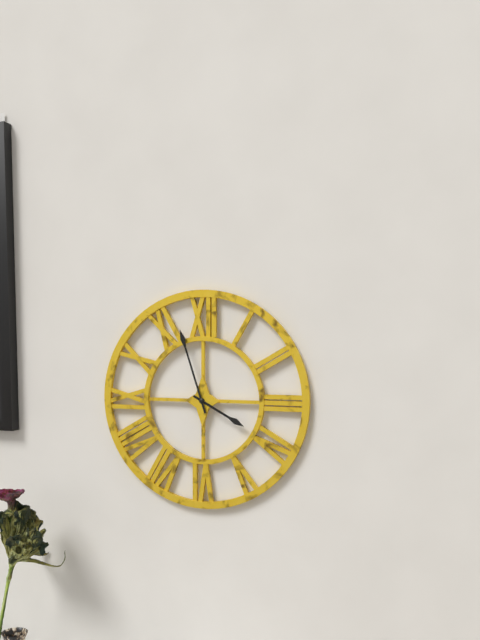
3:57
